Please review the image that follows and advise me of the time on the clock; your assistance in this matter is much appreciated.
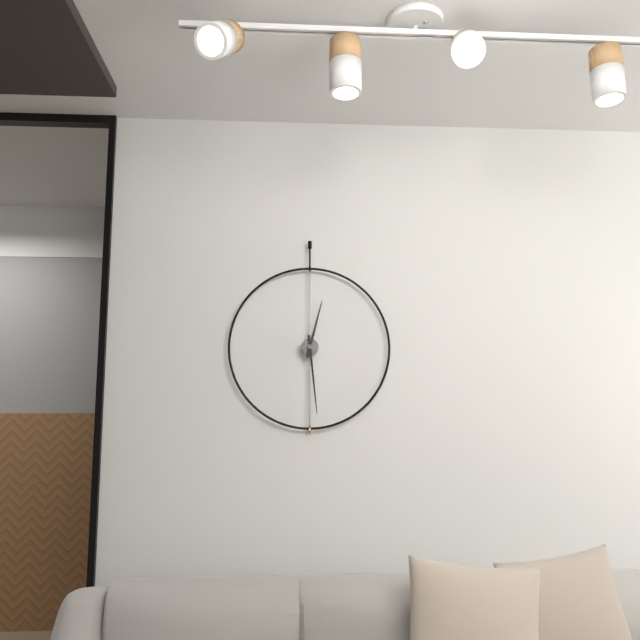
12:29
